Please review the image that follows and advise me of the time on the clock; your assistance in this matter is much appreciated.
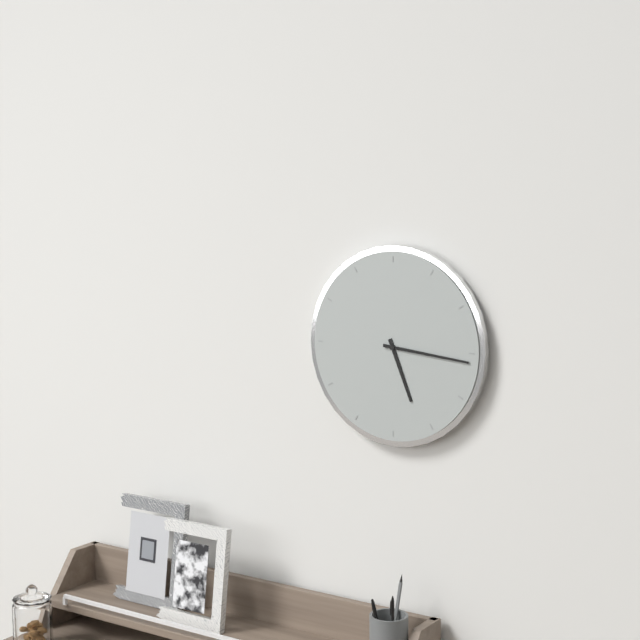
5:16
